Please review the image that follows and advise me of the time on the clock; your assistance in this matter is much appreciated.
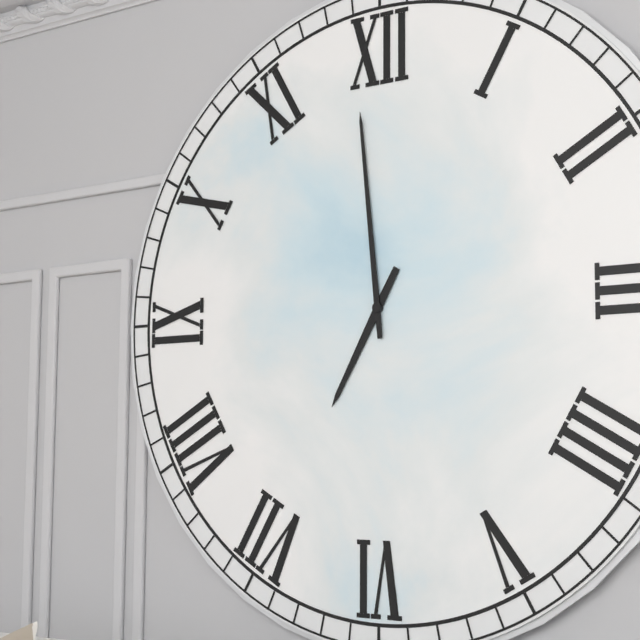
6:59
